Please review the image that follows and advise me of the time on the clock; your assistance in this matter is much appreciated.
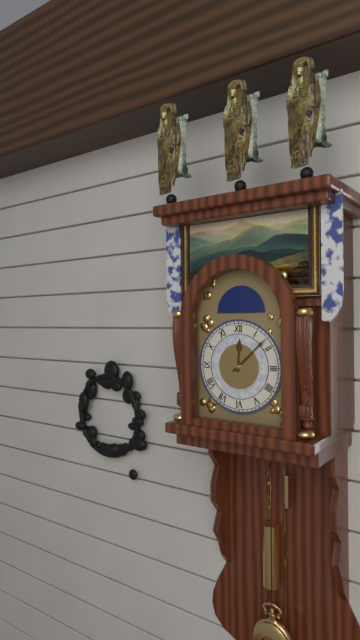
12:08
